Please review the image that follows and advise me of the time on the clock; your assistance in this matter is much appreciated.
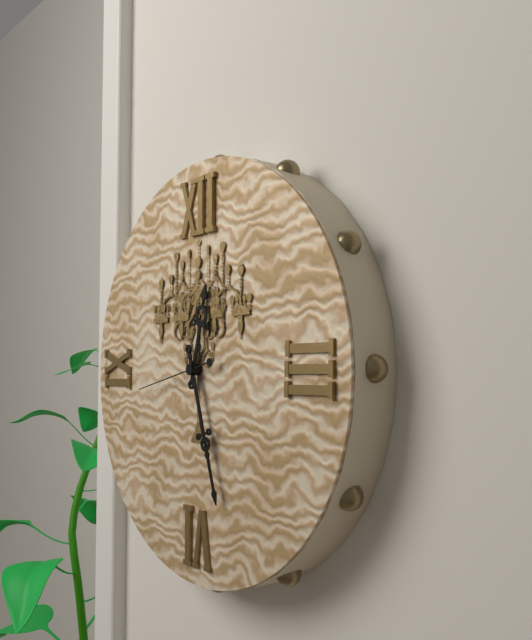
12:27:43
